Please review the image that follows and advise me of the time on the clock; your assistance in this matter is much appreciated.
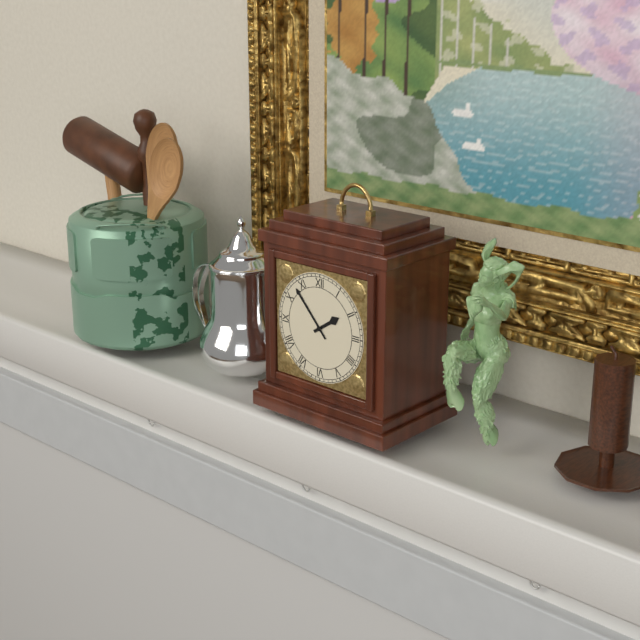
1:53
